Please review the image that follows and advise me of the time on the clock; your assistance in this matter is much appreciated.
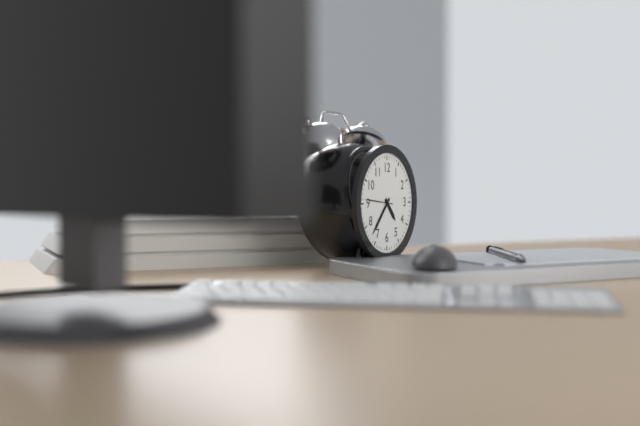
4:37
